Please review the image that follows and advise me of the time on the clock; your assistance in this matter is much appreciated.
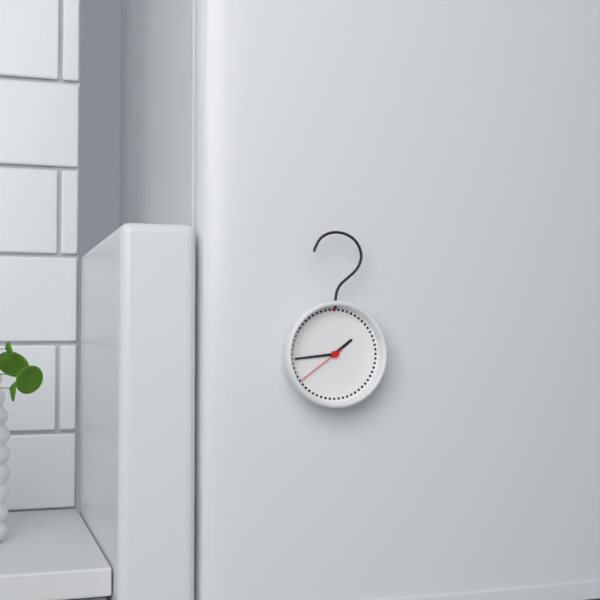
1:44:39
